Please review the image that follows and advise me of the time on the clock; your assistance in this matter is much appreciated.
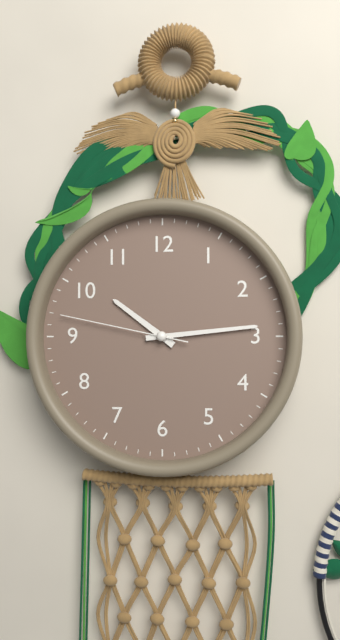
10:14:47
